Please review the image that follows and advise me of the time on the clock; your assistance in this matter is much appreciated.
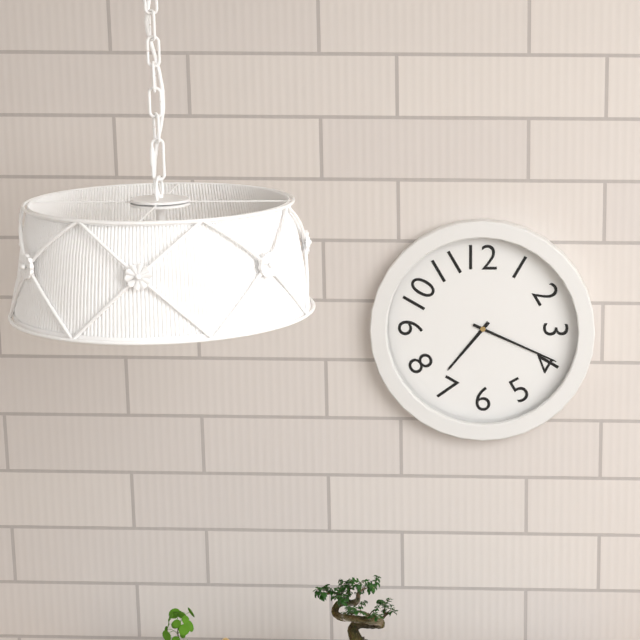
7:19
